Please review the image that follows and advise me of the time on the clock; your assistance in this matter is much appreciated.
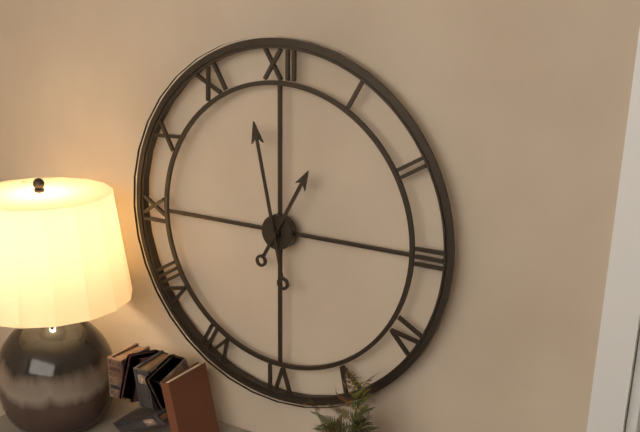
12:58
